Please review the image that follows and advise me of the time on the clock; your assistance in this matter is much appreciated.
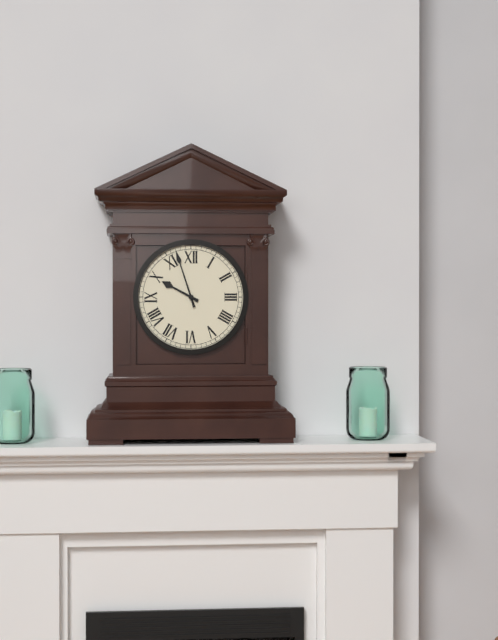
9:57
